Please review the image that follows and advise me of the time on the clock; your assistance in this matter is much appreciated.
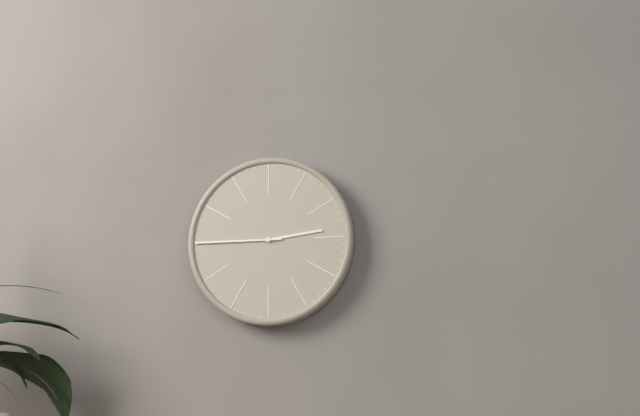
2:45
